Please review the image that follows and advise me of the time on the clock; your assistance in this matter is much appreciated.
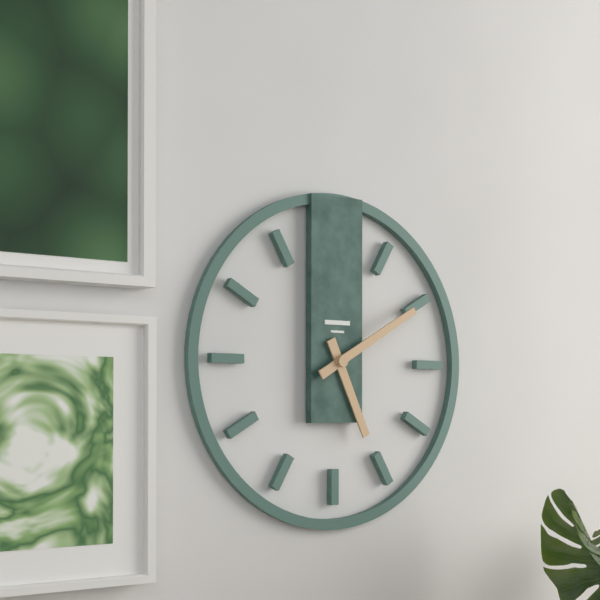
5:10
